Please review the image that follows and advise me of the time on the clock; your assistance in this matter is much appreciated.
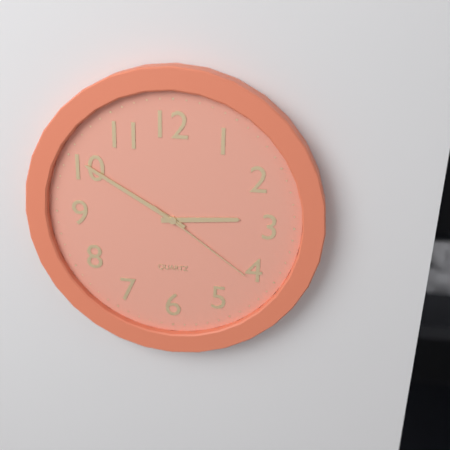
2:50:21
